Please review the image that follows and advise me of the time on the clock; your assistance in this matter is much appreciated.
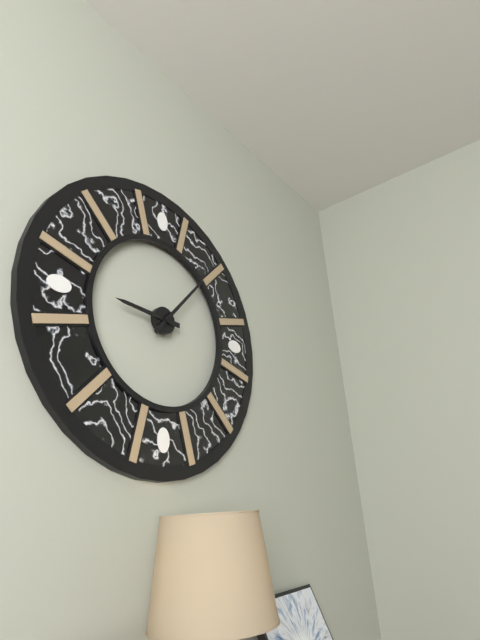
9:07
